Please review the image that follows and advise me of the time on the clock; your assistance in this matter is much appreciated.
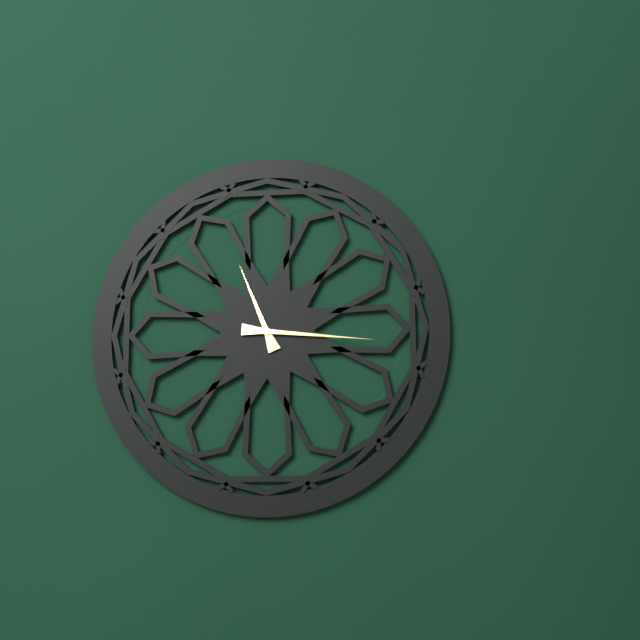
11:16
